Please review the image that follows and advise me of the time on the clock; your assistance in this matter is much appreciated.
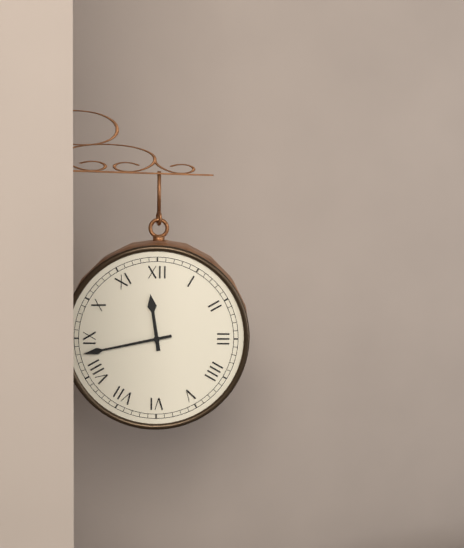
11:43
